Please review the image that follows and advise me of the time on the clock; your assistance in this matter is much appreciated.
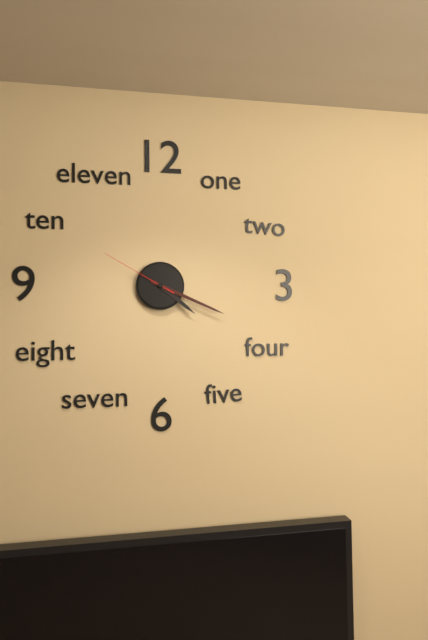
4:19:50
